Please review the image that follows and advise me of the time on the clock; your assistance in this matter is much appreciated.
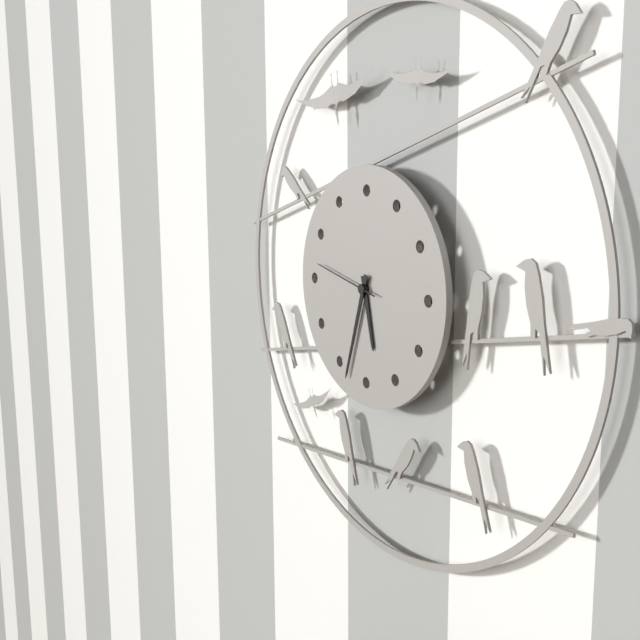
5:33:47
